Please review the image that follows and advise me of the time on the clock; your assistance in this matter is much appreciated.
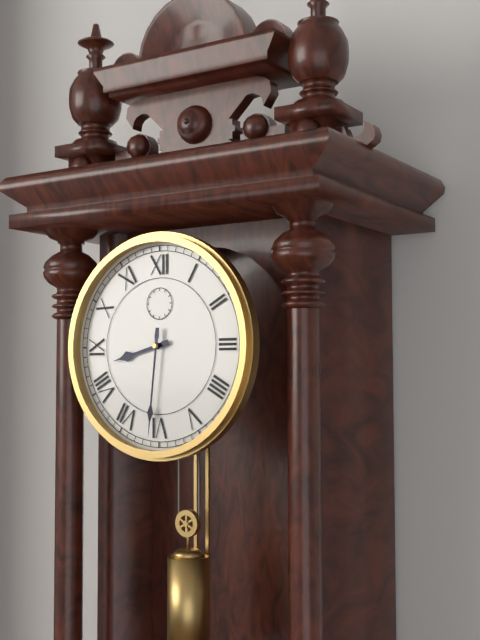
8:31
